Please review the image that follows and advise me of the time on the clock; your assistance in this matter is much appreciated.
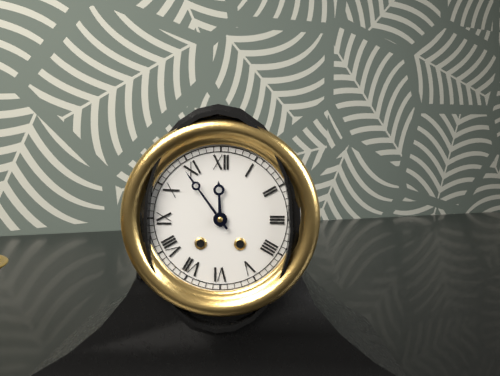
11:54
